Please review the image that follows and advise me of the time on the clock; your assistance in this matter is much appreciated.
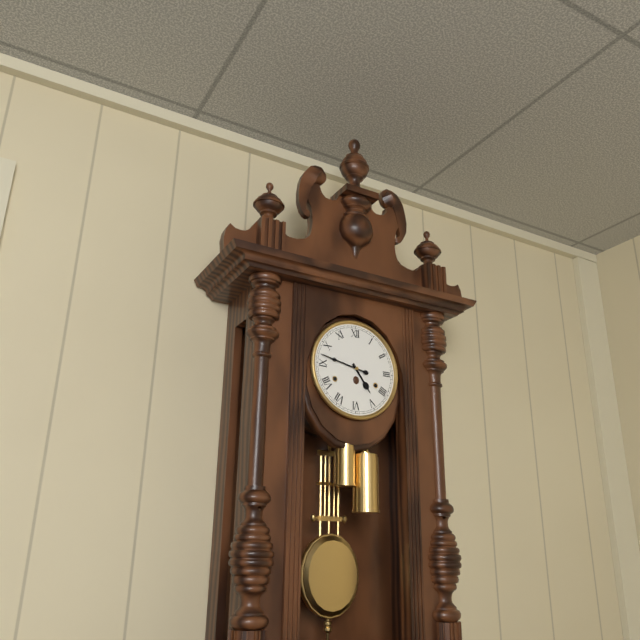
4:47
